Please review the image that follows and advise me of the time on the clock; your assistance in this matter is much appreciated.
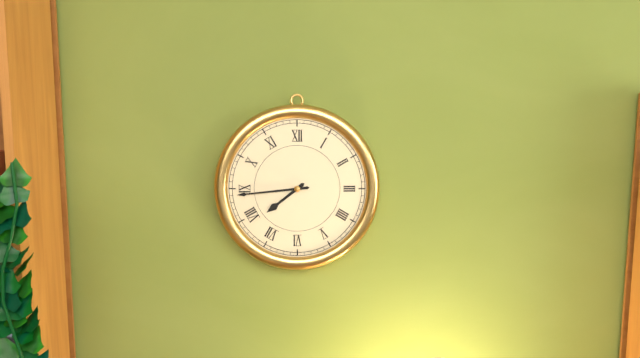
7:44
